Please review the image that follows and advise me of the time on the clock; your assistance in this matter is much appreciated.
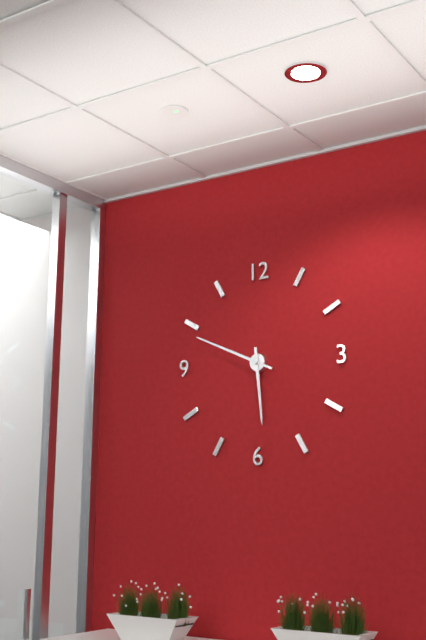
5:49
